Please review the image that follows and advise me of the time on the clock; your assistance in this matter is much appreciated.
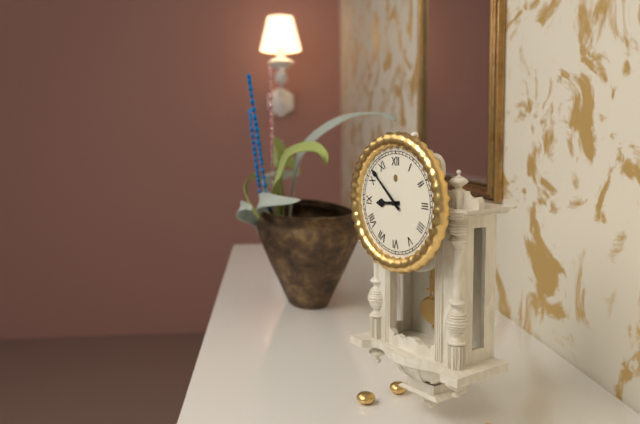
8:52
